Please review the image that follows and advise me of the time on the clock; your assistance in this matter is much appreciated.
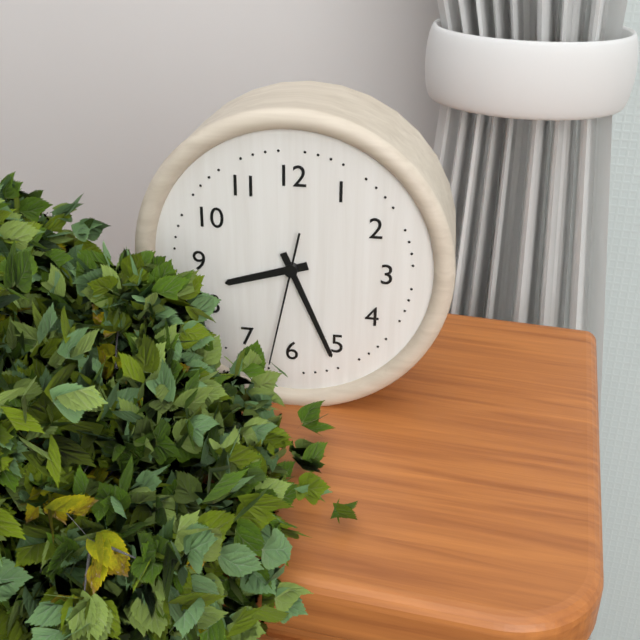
8:26:32
